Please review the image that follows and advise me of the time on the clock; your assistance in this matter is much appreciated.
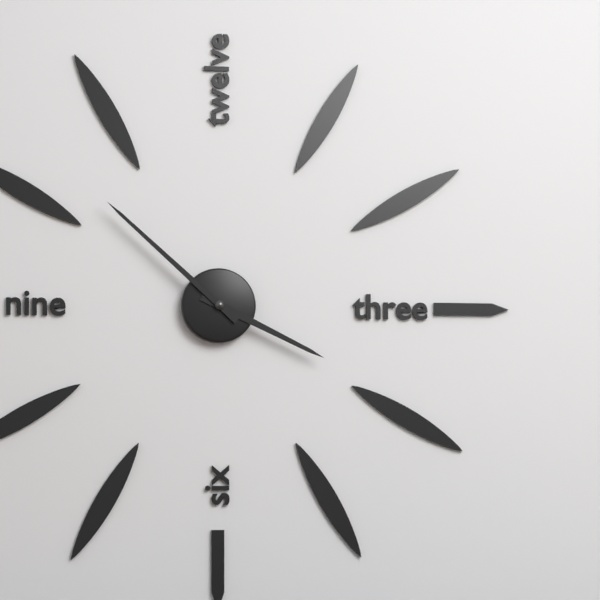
3:52
